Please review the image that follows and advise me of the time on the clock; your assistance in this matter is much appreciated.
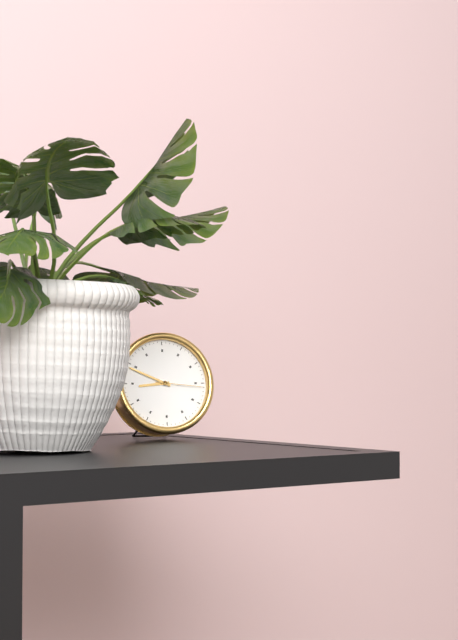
8:49
